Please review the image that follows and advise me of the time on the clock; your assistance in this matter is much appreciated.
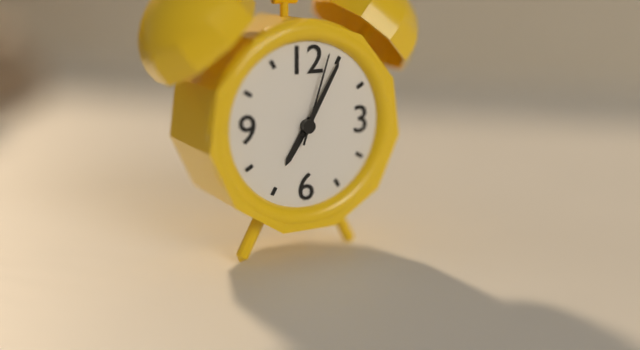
7:05:03
